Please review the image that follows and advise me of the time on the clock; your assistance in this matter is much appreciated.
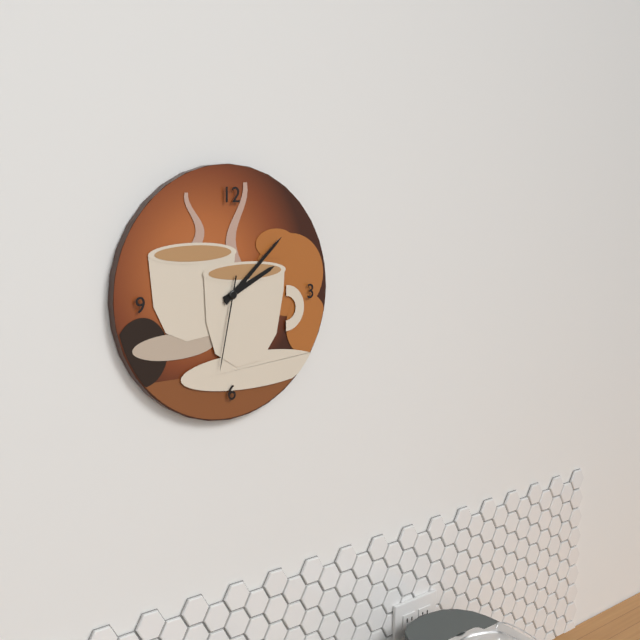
2:08:32
